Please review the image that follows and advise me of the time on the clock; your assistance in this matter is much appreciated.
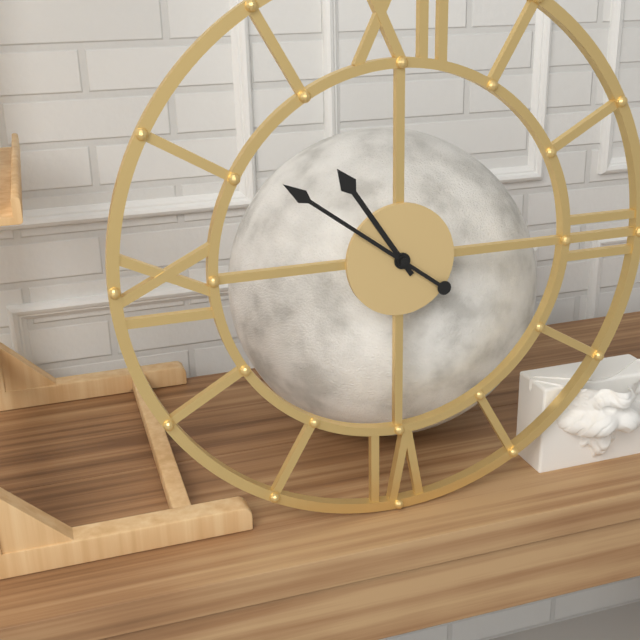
10:51
